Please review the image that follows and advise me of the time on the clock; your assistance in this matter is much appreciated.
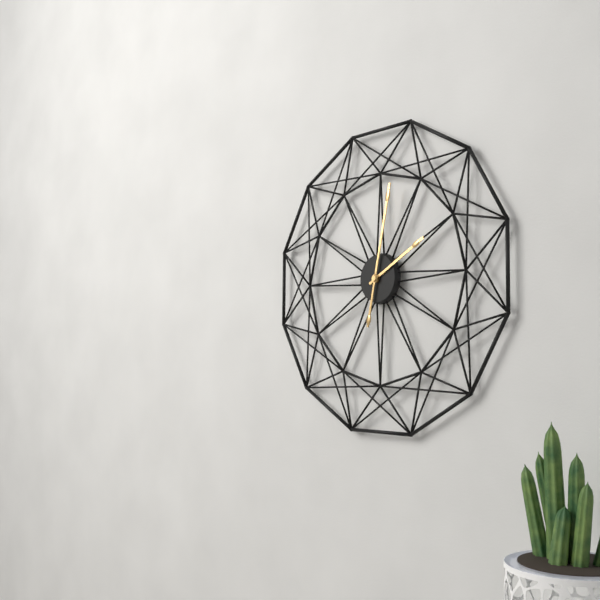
2:02
